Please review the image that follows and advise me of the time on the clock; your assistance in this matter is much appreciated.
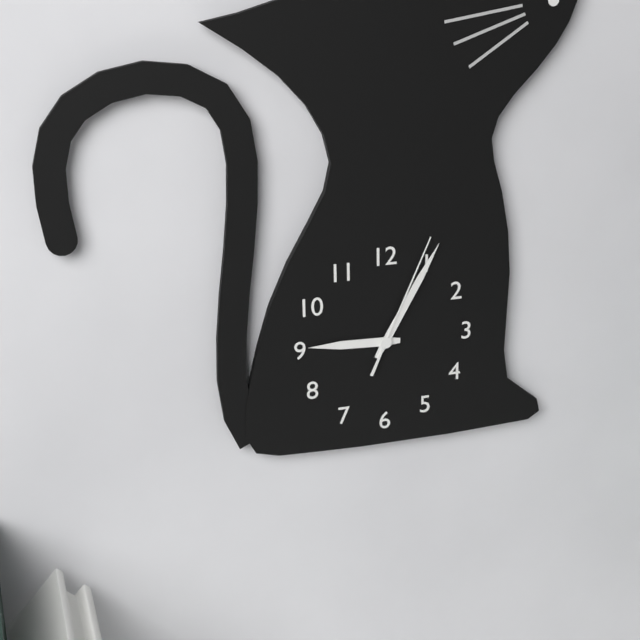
9:05:04
